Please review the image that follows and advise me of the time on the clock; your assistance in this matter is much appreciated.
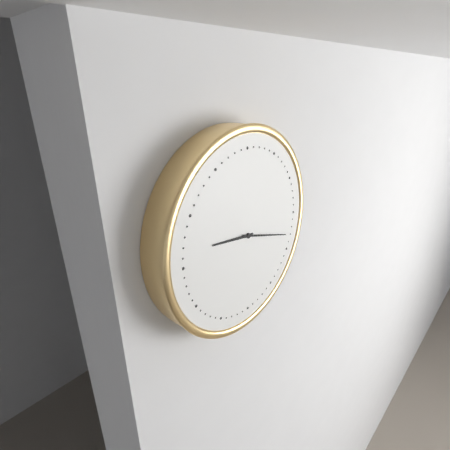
9:18
